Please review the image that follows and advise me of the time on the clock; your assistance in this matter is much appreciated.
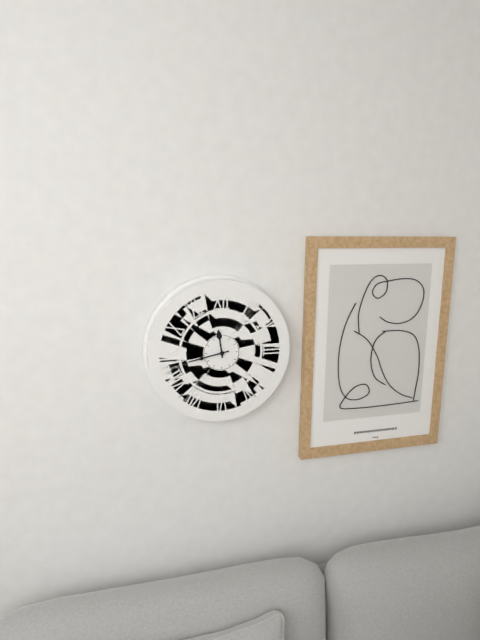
11:43
